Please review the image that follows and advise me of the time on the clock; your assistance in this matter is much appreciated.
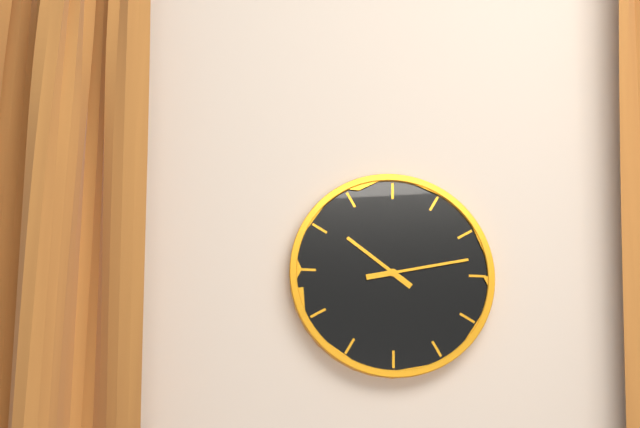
10:13
